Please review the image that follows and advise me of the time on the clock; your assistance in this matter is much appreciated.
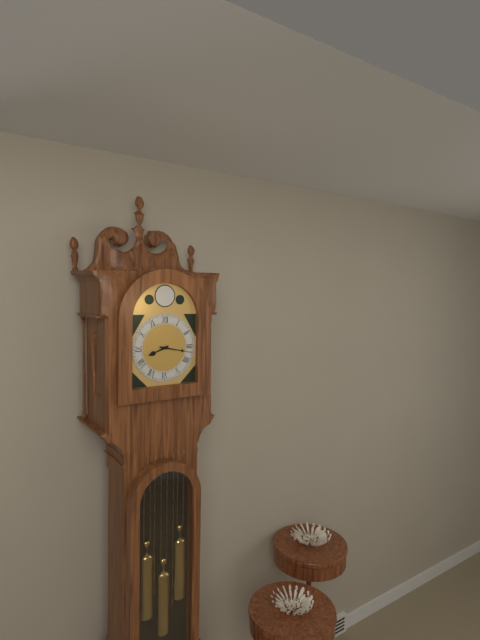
8:17
